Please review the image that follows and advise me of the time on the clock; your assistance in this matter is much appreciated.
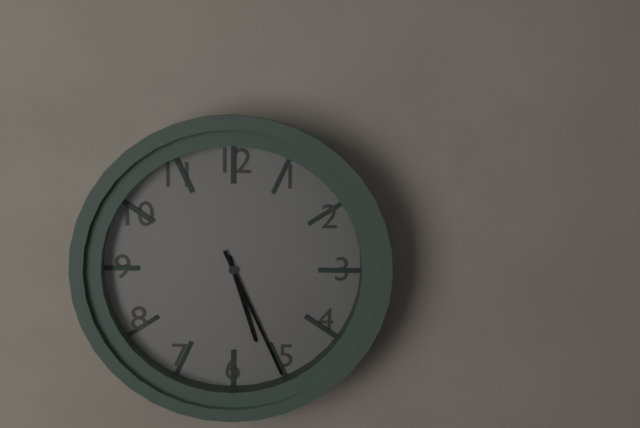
5:26
